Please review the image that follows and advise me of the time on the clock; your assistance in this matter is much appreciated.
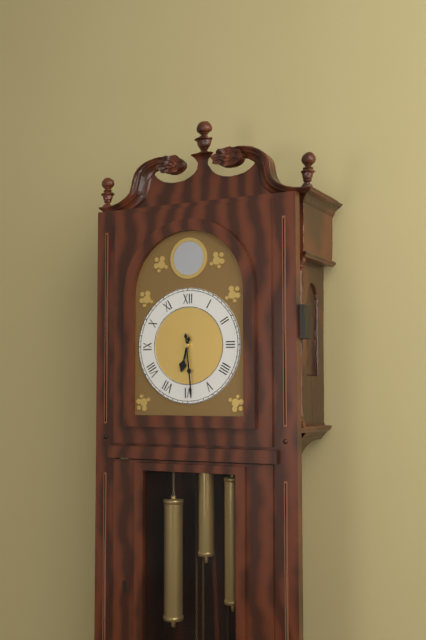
6:29
